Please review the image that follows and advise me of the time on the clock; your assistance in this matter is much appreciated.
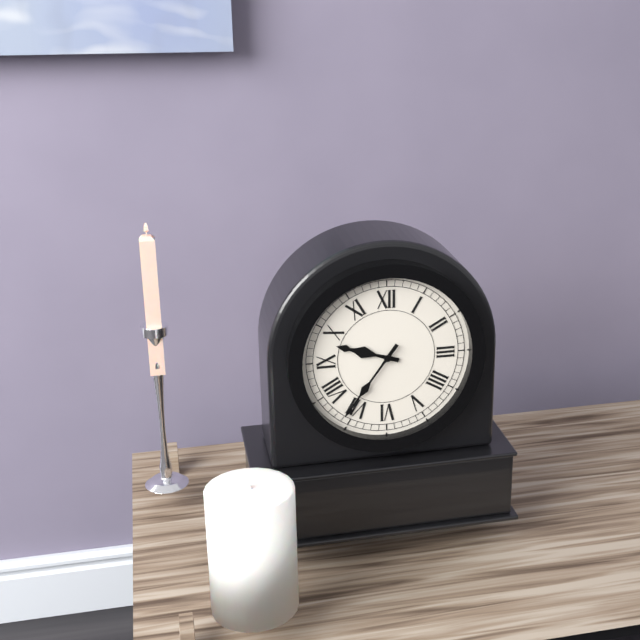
9:36
